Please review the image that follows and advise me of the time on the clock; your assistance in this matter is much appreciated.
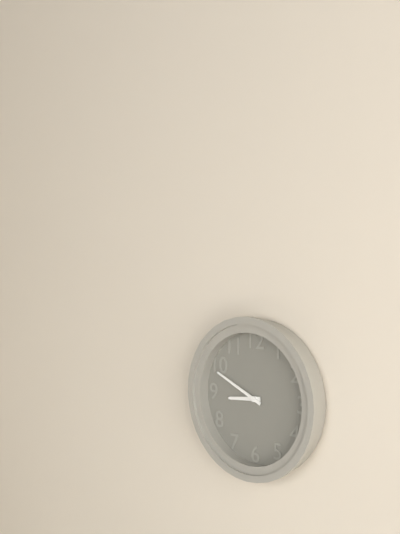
8:49
